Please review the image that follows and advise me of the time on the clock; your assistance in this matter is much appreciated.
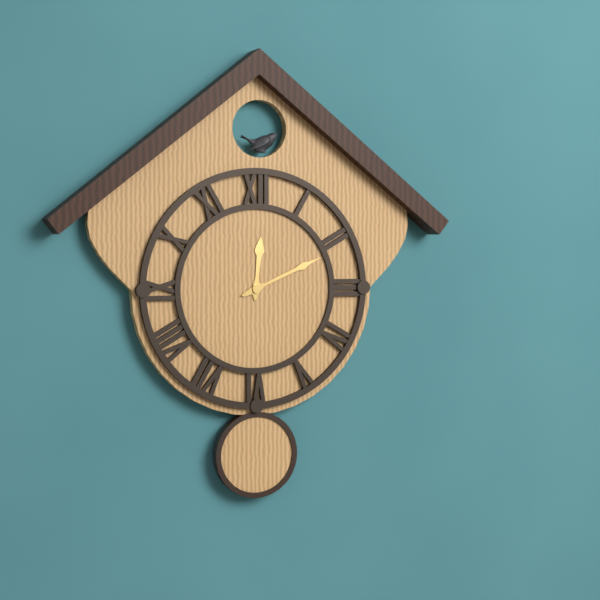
12:11
